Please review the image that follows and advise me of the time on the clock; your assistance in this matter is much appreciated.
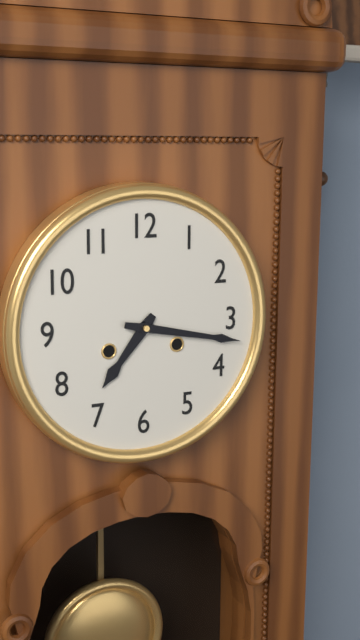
7:17
